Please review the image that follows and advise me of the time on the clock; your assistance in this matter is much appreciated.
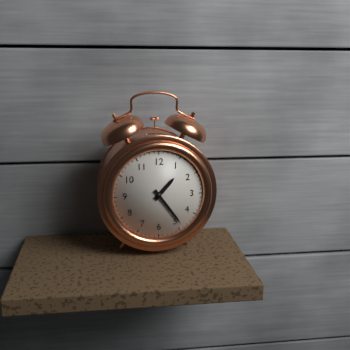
1:24
